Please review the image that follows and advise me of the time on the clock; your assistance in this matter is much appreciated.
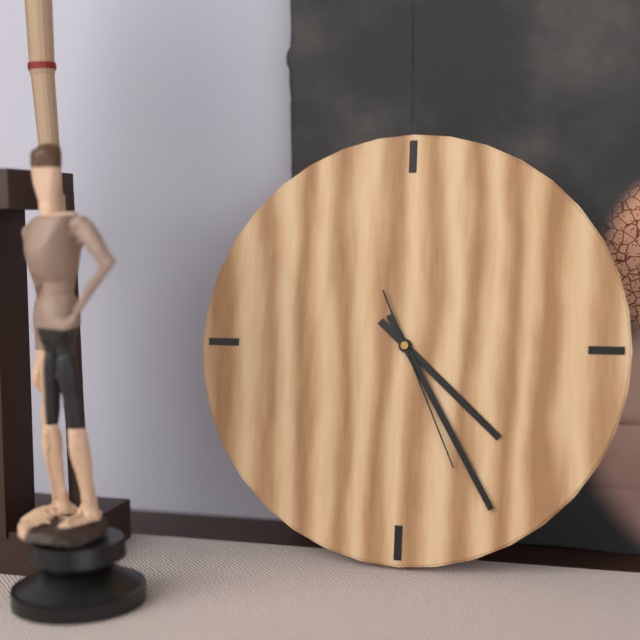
4:25:26
